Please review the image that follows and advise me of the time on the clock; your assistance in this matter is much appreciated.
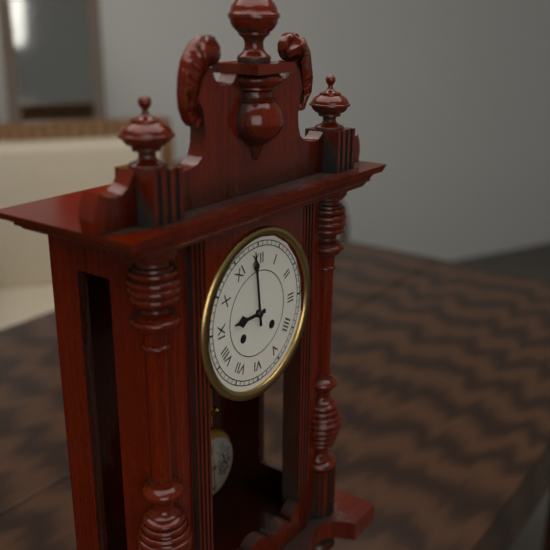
8:59
